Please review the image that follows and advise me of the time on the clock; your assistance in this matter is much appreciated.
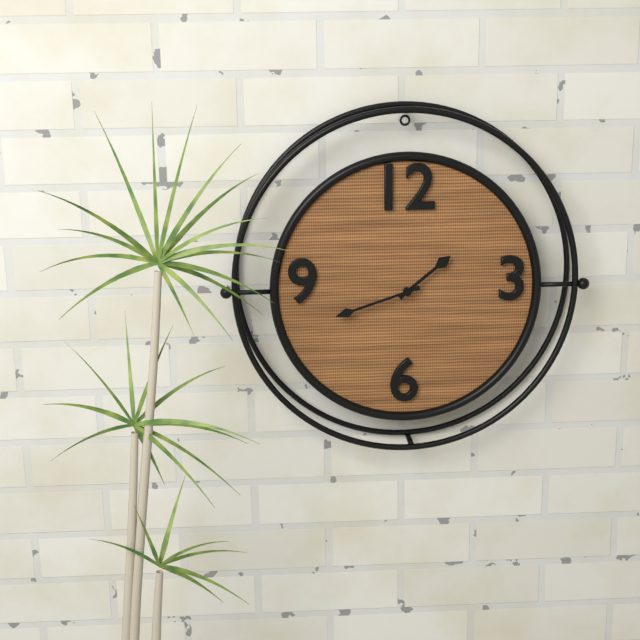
1:42
